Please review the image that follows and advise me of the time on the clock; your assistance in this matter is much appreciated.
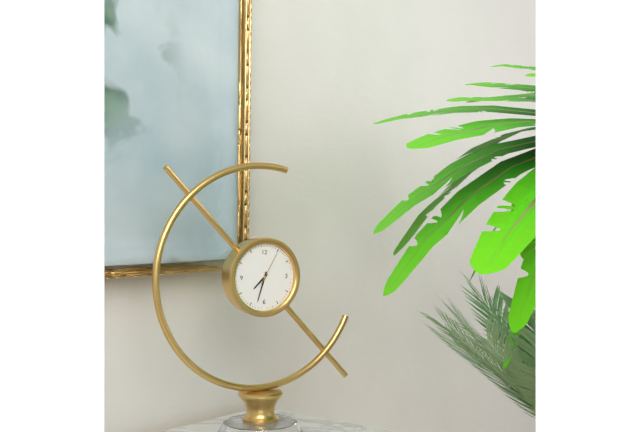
7:33
